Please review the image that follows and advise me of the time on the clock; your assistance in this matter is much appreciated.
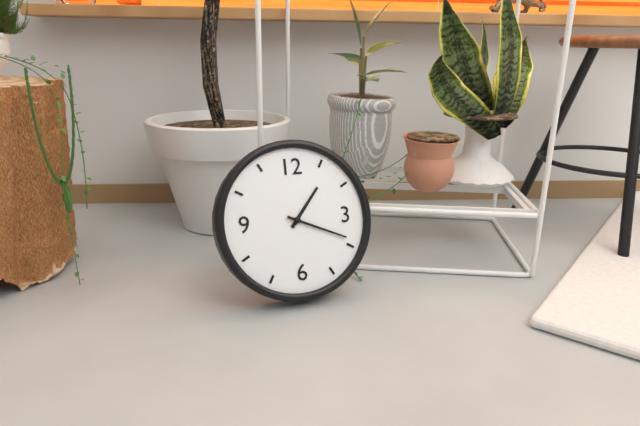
1:19
